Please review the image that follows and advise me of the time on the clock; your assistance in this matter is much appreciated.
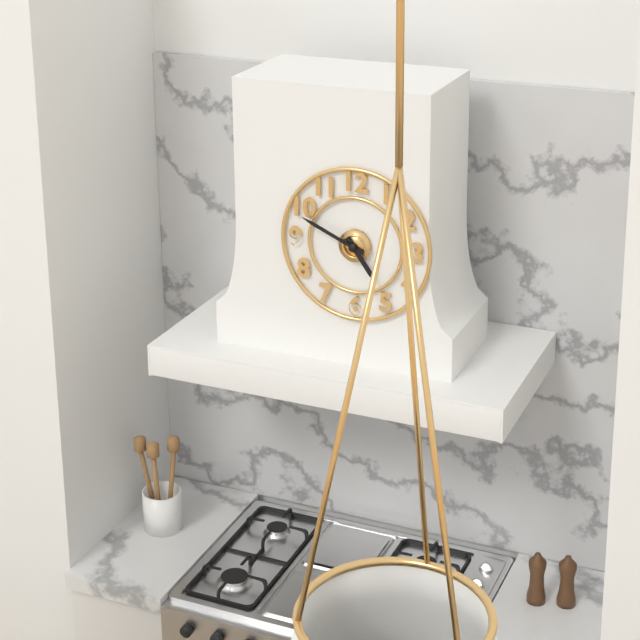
4:49
